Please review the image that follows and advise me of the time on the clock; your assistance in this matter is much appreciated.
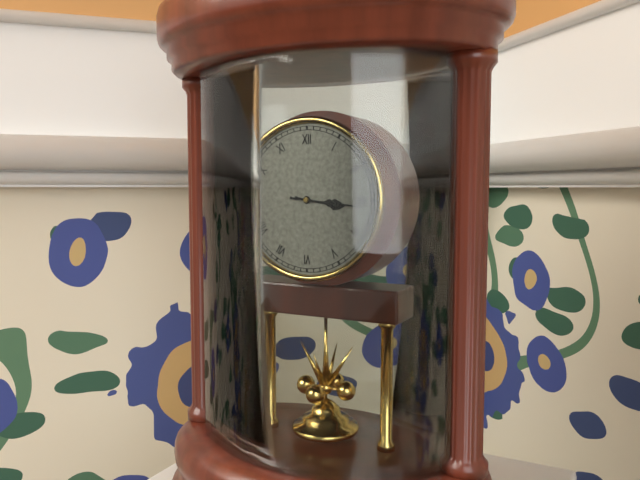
3:16
